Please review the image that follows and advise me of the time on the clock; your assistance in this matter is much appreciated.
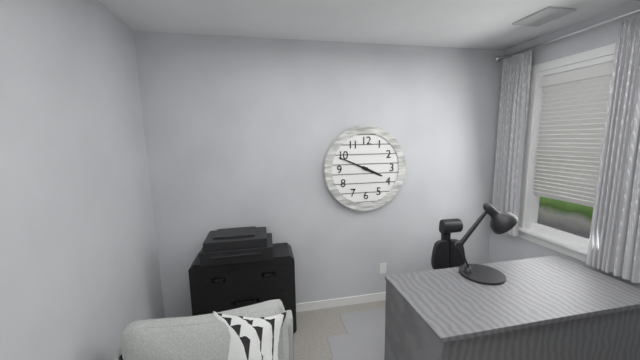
3:49
